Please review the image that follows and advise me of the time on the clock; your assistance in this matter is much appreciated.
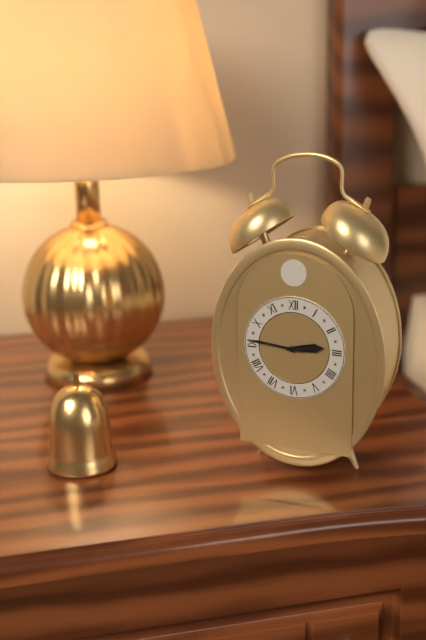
2:46
